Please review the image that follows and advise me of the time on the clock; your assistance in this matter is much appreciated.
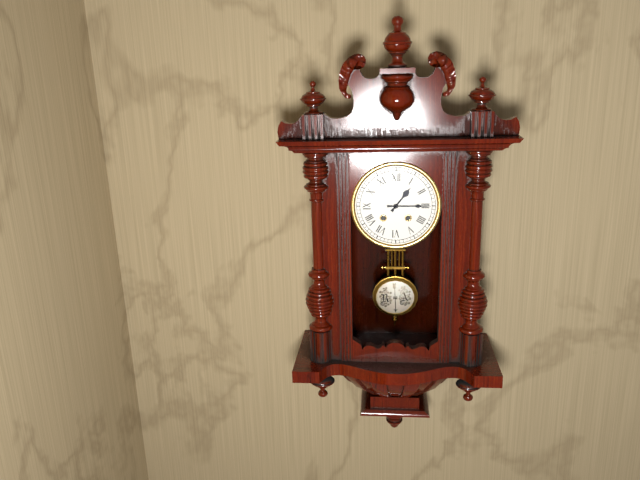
1:15
